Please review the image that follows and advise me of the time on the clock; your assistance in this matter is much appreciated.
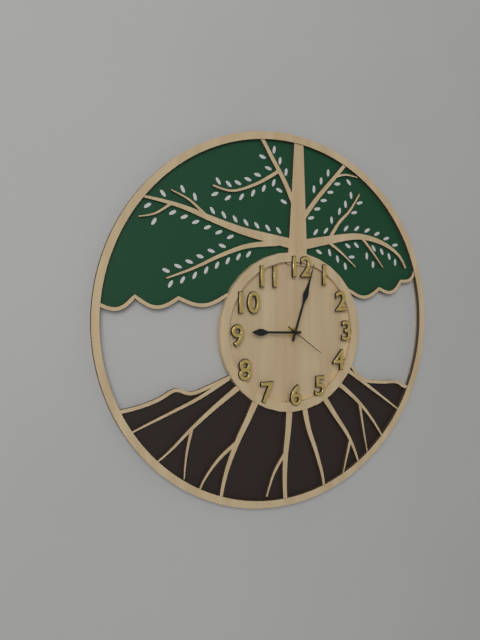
9:03
